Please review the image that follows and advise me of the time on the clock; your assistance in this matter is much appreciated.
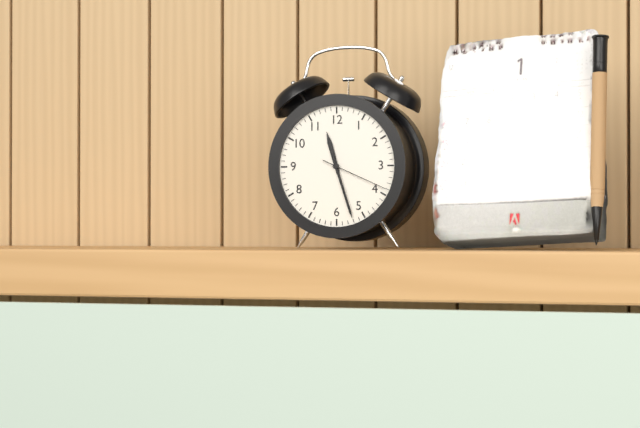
11:27:19
